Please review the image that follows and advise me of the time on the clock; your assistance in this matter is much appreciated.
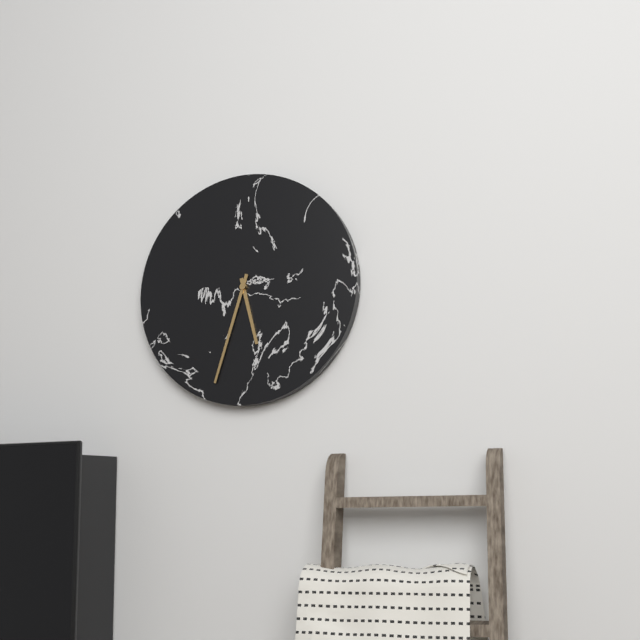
5:33
